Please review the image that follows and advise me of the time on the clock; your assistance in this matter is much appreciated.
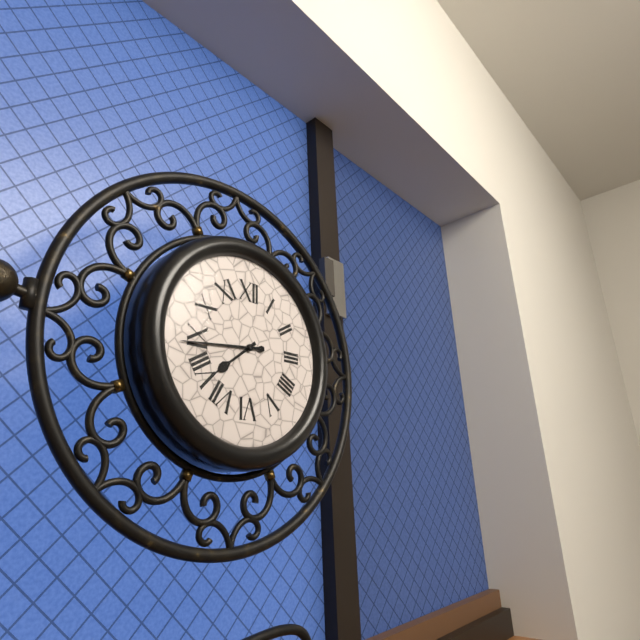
7:44
